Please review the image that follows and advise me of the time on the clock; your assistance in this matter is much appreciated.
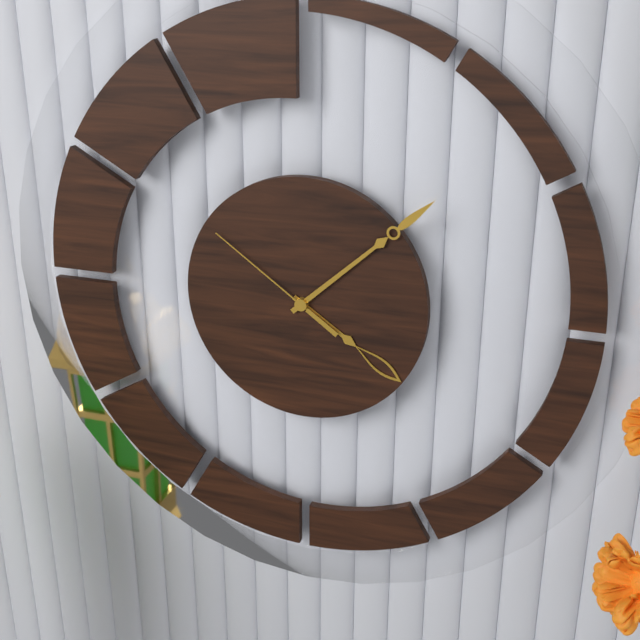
4:08:51
